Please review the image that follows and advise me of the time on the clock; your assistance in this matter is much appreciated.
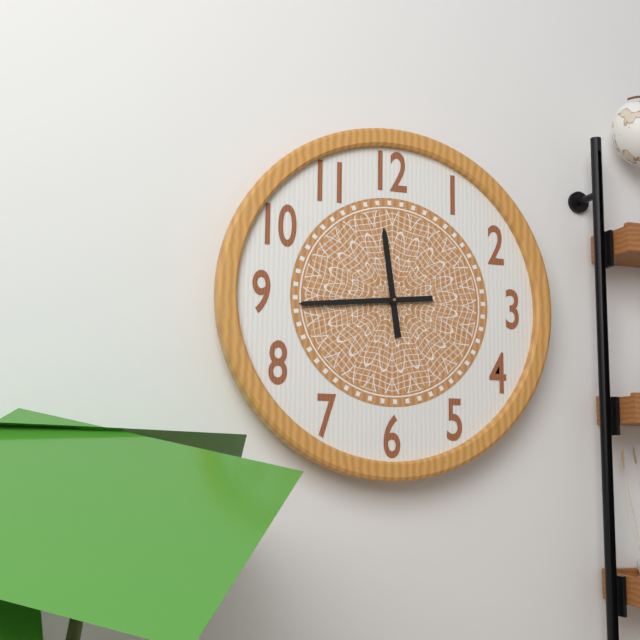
11:44
